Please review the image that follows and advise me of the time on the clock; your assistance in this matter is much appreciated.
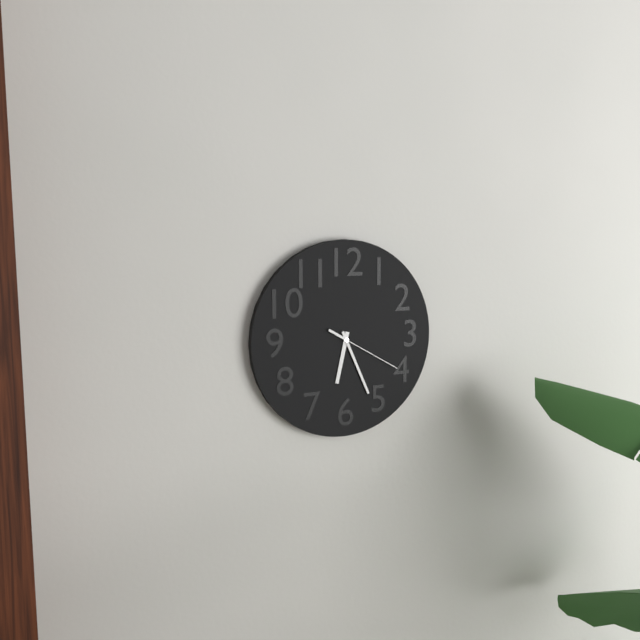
6:26:20
